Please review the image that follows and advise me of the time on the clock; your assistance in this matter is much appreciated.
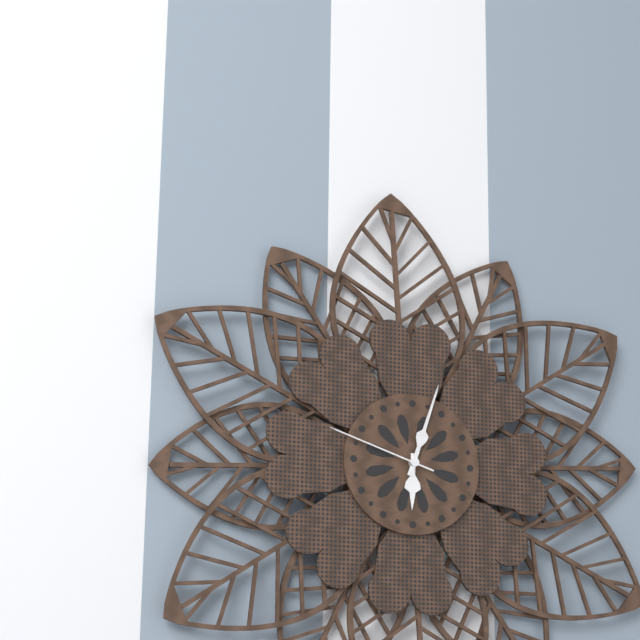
6:03:48
